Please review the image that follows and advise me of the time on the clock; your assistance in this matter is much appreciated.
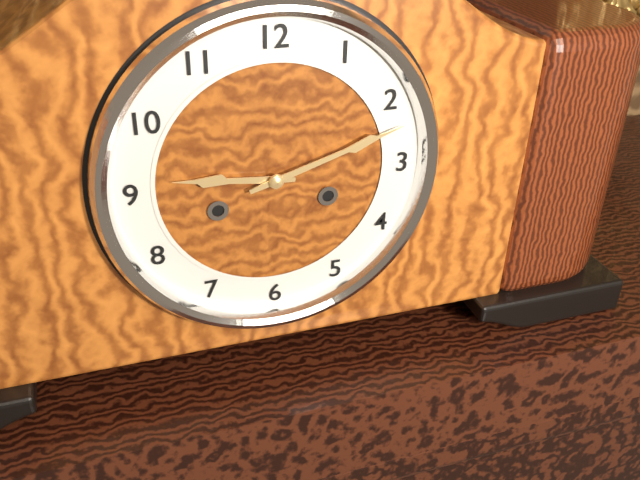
9:12
